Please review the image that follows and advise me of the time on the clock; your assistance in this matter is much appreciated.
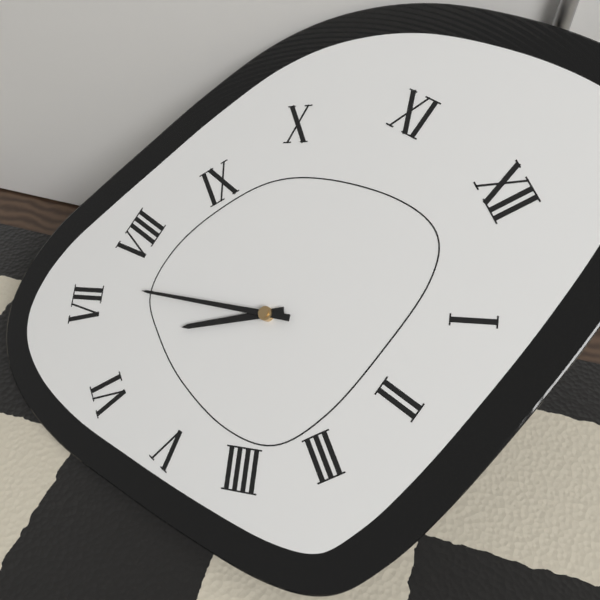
6:36
